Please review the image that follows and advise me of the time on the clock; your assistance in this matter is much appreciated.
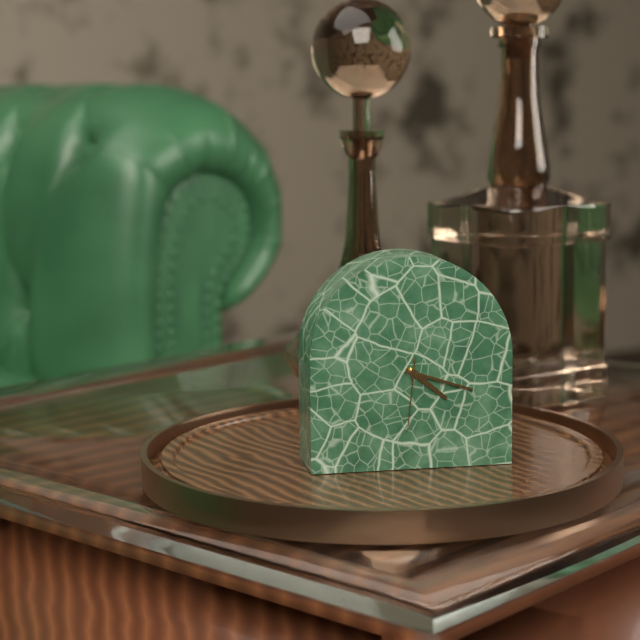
4:18:31
